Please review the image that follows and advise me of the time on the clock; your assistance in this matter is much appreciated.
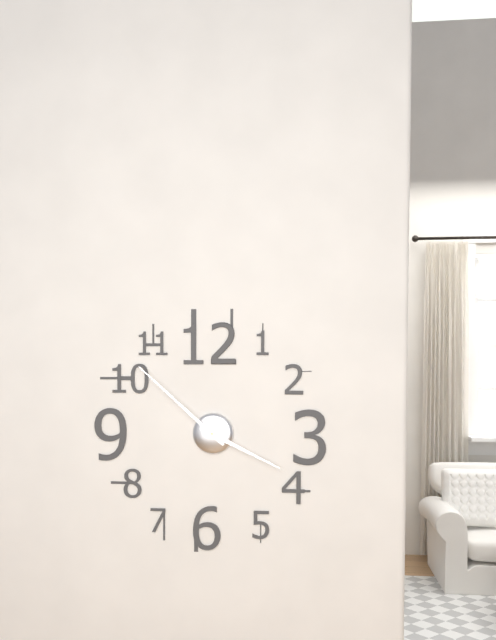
3:52
